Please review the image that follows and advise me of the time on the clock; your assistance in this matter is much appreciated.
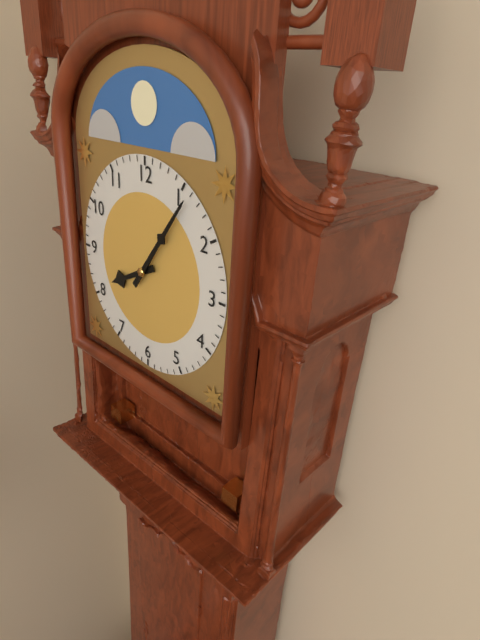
8:06
